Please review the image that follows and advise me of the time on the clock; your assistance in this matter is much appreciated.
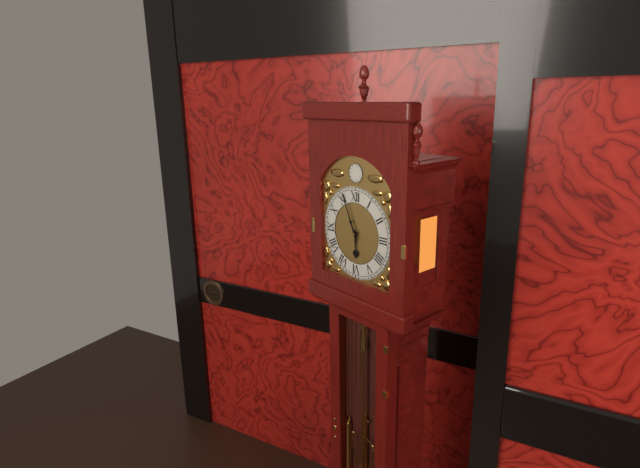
5:56
